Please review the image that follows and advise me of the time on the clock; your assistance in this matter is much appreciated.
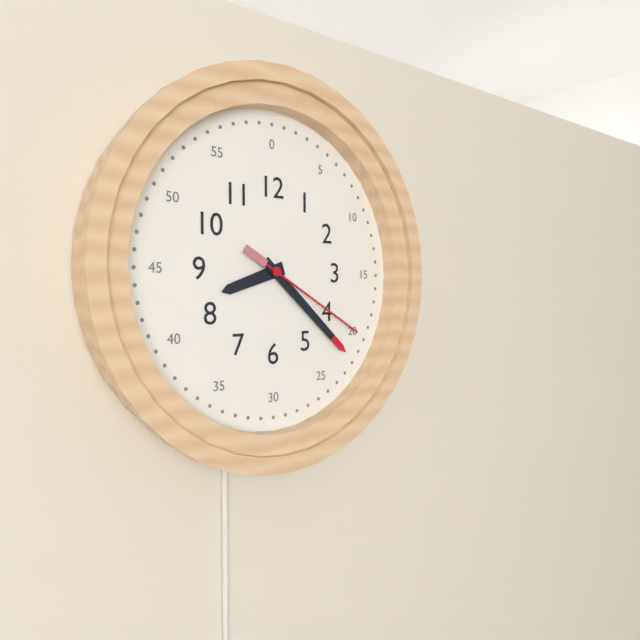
8:22:20
